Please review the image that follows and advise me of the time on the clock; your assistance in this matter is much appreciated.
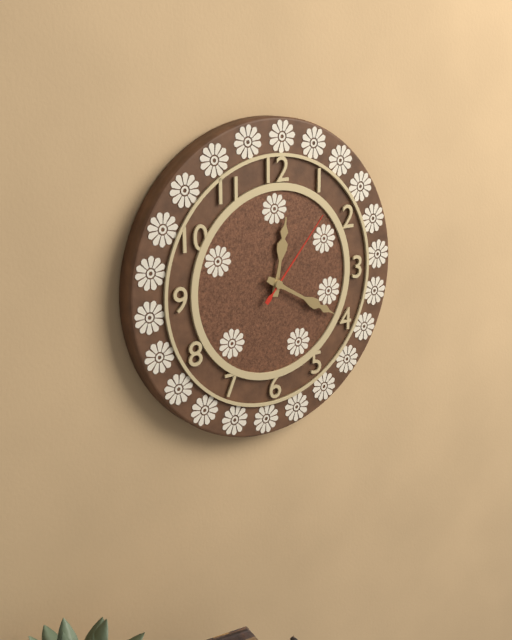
12:20:07
